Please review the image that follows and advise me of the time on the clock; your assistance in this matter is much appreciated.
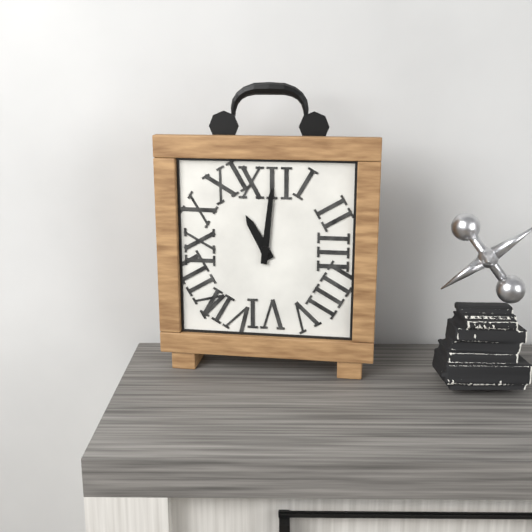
11:01
